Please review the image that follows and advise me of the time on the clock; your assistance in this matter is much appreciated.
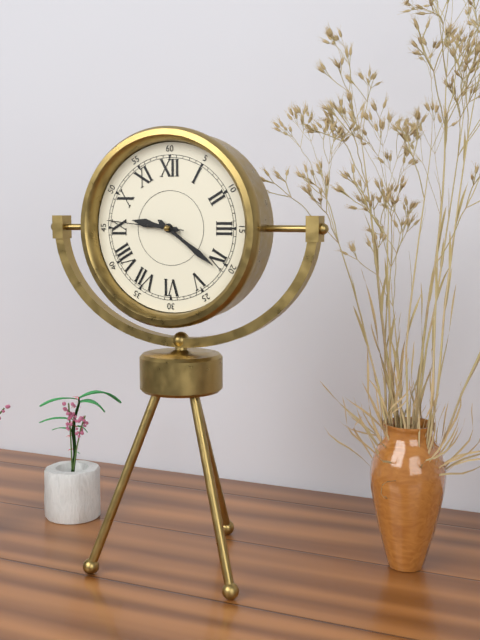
9:21:46
